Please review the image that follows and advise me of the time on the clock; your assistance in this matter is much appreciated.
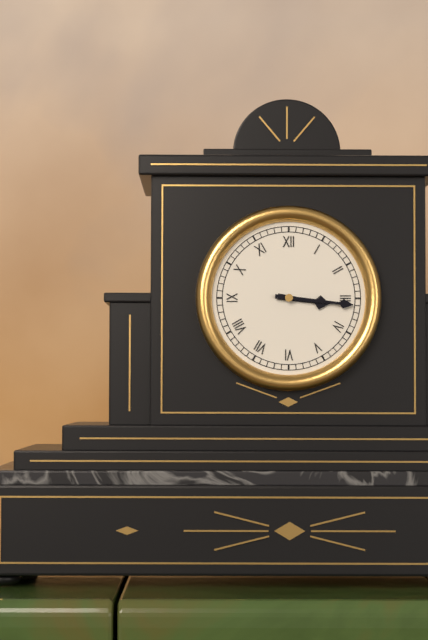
3:16
